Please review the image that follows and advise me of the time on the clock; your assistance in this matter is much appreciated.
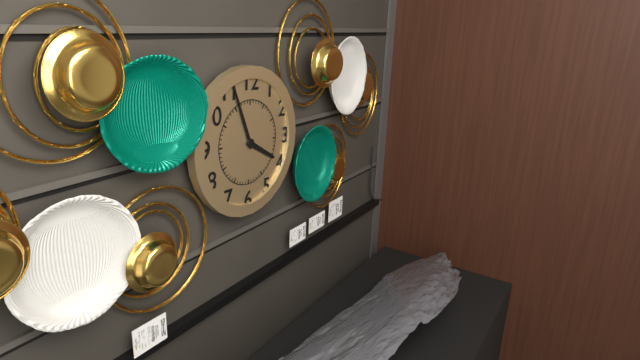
3:56
